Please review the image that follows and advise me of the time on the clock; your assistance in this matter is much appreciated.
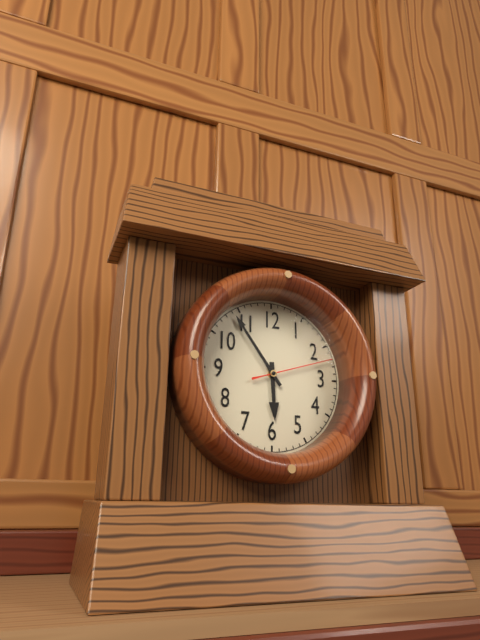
5:54:12
